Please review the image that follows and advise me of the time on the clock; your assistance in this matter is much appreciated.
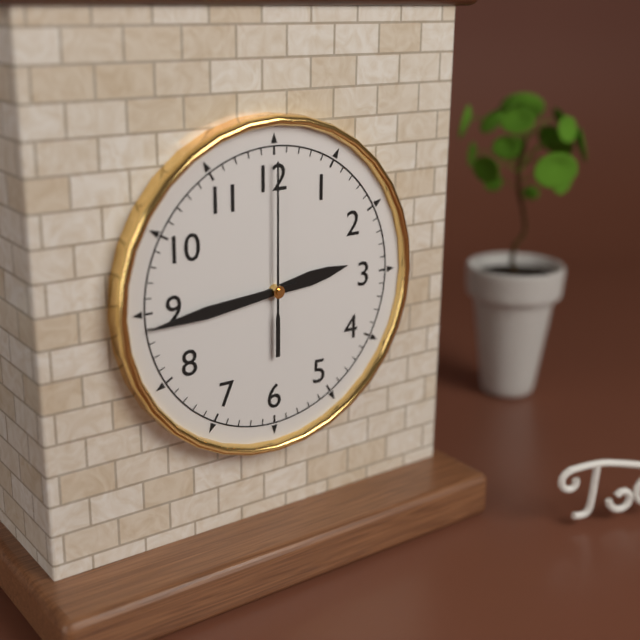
2:44:00
